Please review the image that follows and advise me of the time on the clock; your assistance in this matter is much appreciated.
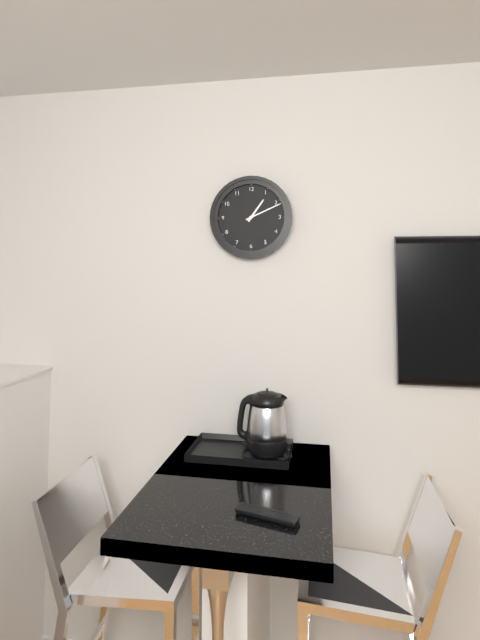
1:11
